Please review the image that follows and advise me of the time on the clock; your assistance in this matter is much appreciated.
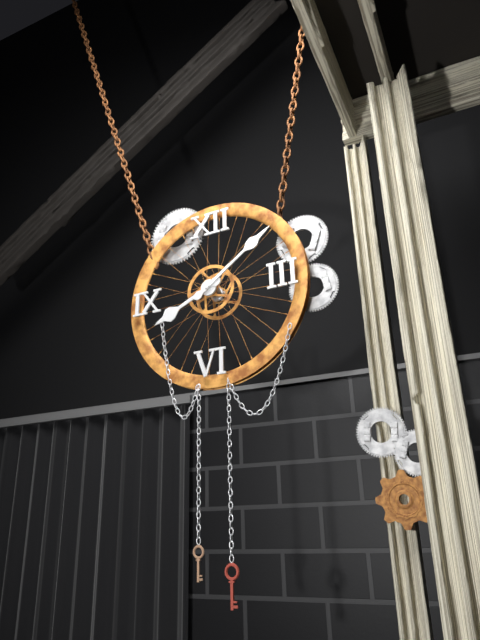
8:09
